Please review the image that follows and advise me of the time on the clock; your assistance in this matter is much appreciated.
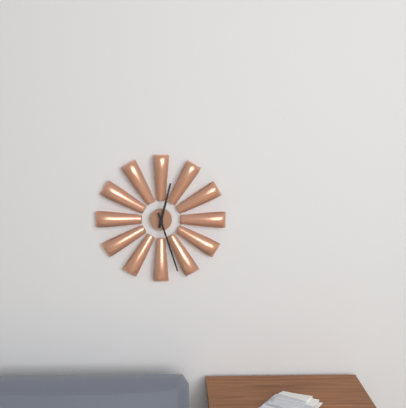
12:27
